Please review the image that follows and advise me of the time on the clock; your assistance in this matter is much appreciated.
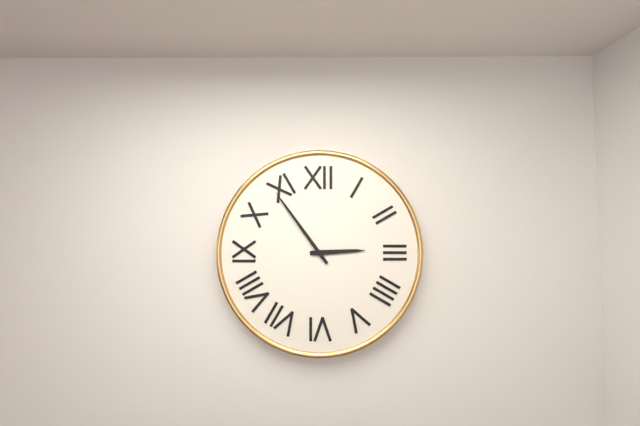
2:54
